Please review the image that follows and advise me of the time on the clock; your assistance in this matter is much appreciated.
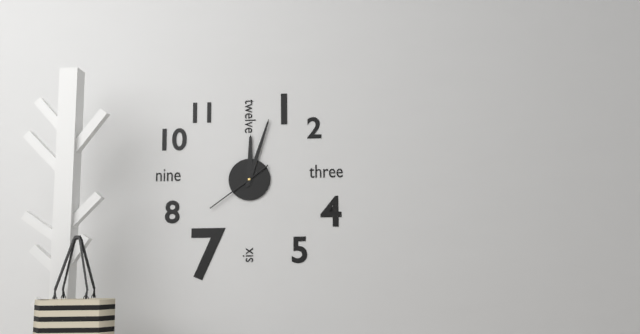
12:03:39
